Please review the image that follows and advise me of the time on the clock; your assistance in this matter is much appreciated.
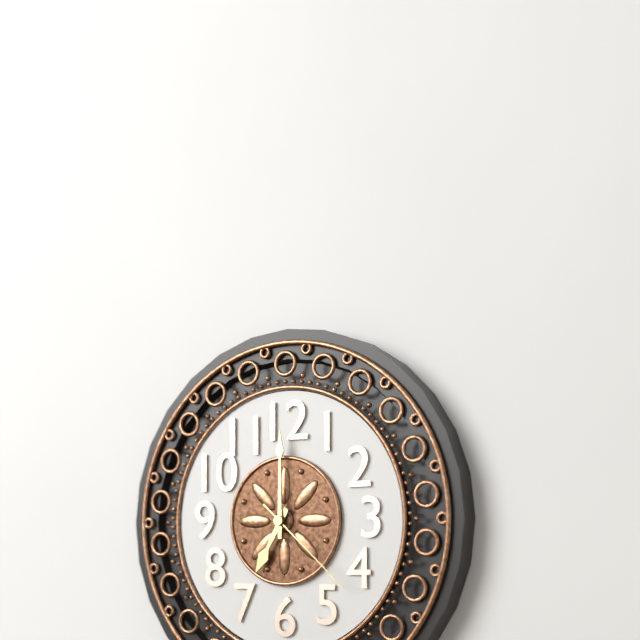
7:00:22
